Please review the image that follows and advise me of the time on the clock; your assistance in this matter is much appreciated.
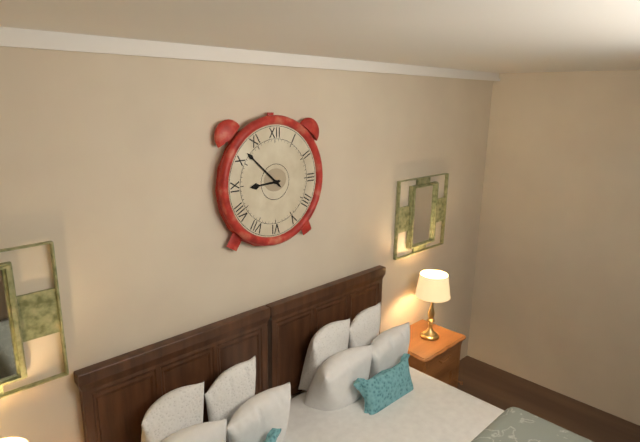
8:52
